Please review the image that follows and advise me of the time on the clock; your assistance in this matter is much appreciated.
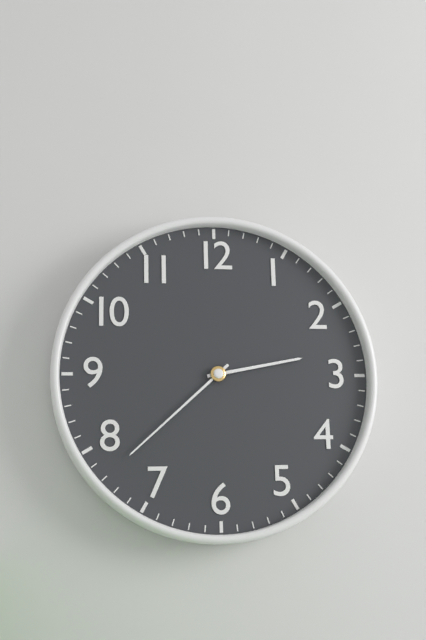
2:38
